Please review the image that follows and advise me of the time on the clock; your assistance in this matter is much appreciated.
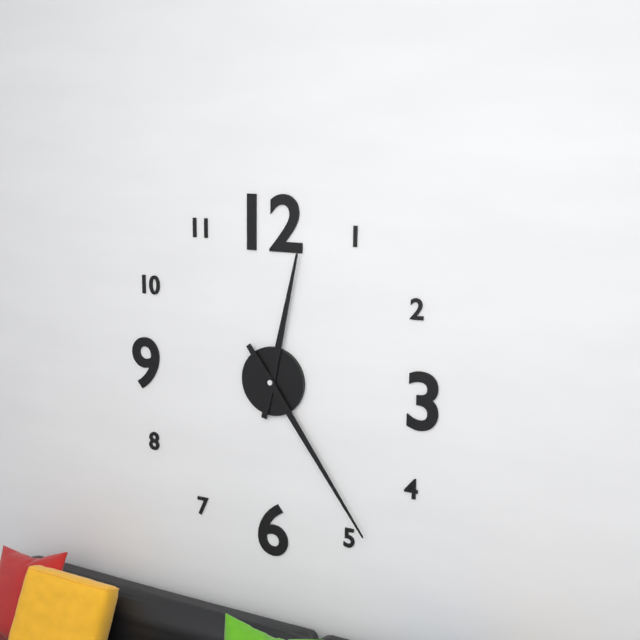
12:24
